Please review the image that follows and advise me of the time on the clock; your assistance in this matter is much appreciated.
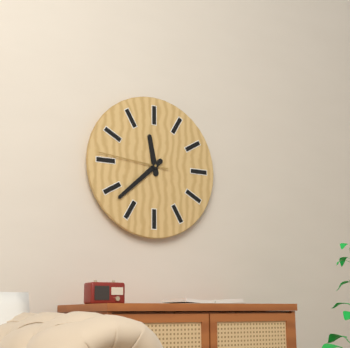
11:38:46
